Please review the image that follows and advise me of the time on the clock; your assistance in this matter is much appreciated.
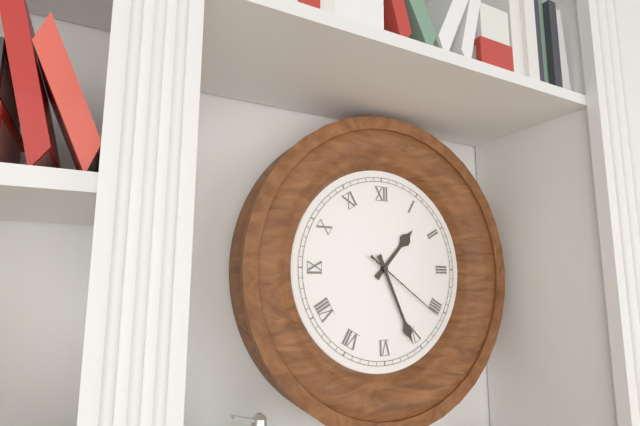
1:26:21
